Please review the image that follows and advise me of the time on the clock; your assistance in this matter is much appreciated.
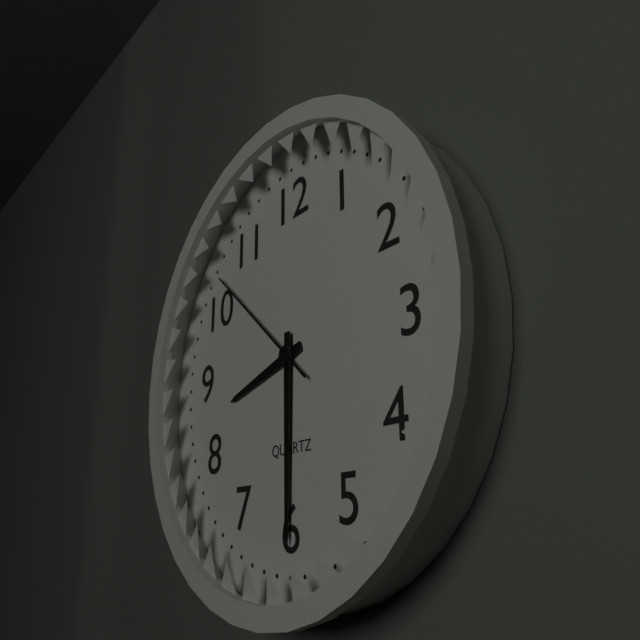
8:30:52
